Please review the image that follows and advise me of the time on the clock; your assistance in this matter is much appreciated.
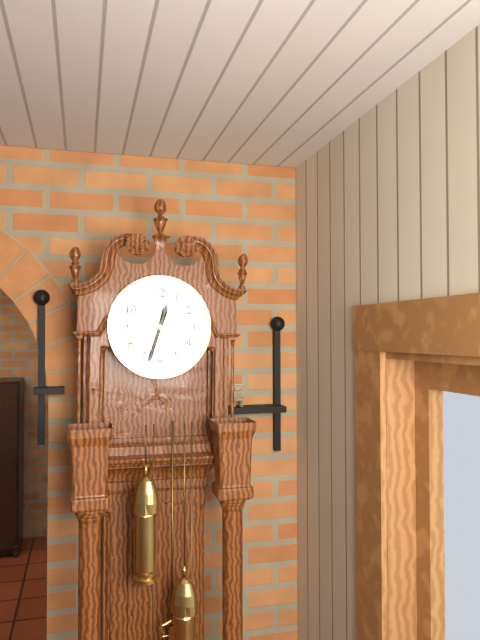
12:33
